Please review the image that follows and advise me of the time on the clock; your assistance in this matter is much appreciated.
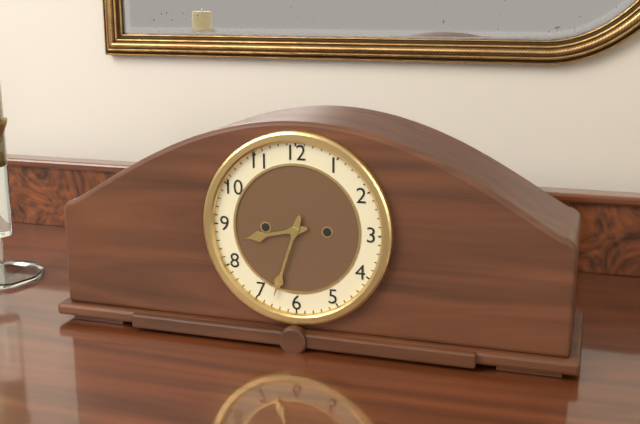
8:33
